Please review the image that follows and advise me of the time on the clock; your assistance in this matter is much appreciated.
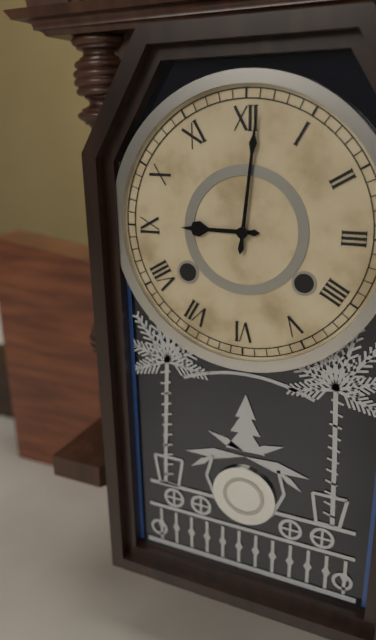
9:01
